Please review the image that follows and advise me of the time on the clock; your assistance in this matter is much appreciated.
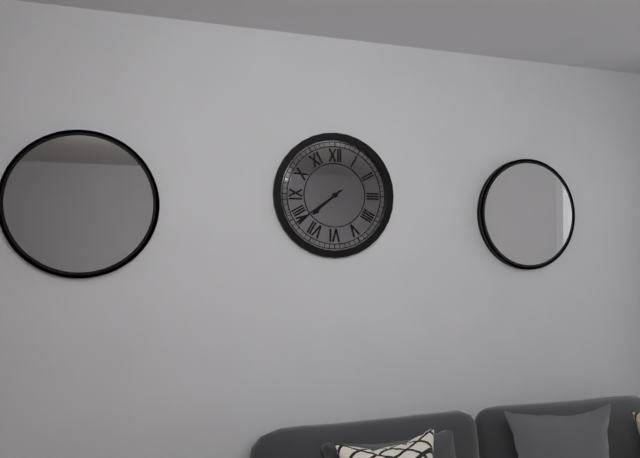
7:39
